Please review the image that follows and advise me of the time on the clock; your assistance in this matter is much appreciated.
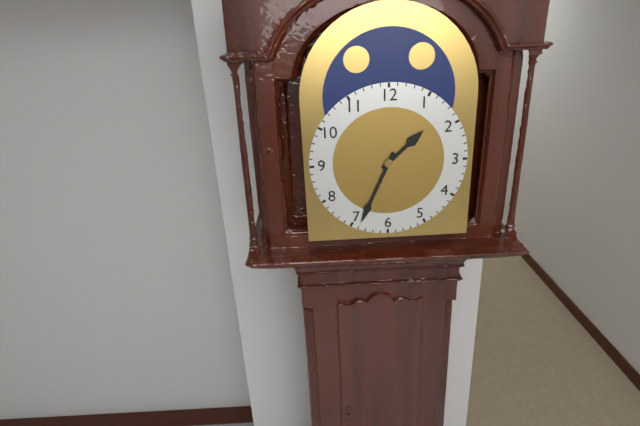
1:34
